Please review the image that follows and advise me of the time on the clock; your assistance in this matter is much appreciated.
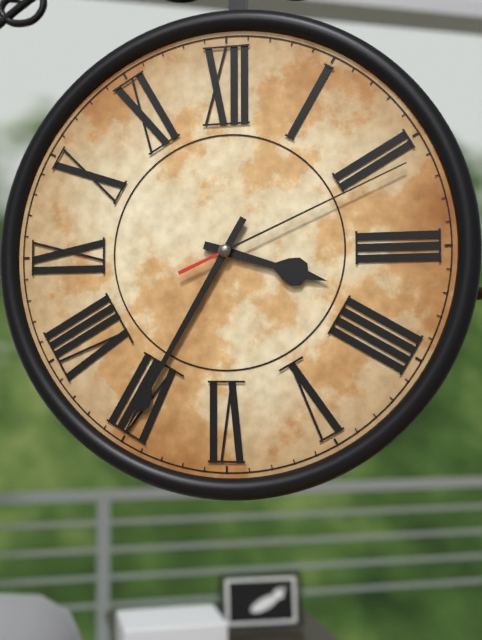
3:35:11
